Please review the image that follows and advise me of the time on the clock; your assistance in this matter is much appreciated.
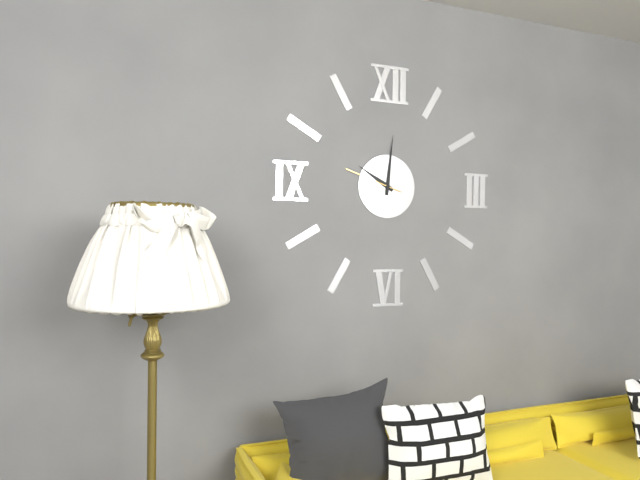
10:01:48
